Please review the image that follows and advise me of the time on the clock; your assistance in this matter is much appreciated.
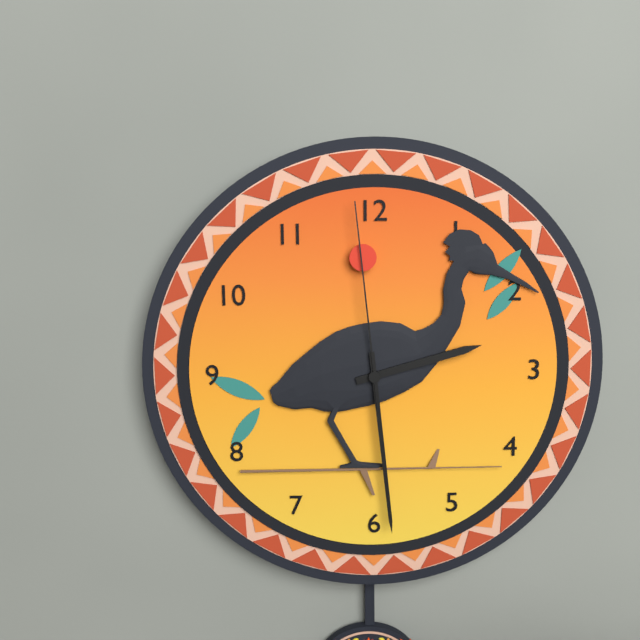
2:29:59
